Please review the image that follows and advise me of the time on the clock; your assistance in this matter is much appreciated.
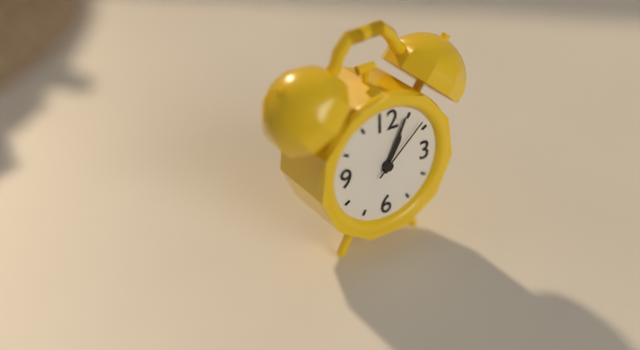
1:04:08
